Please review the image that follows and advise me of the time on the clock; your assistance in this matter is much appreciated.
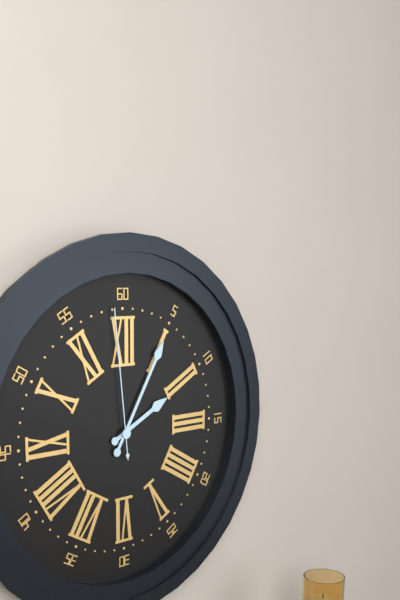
2:05:59
